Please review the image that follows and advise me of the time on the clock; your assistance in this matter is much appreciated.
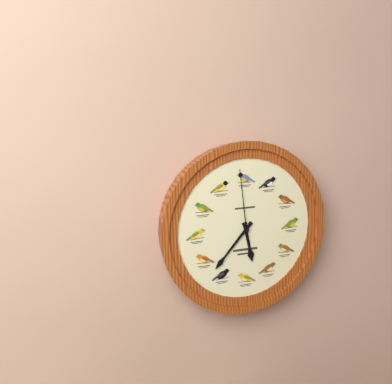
5:37:59
